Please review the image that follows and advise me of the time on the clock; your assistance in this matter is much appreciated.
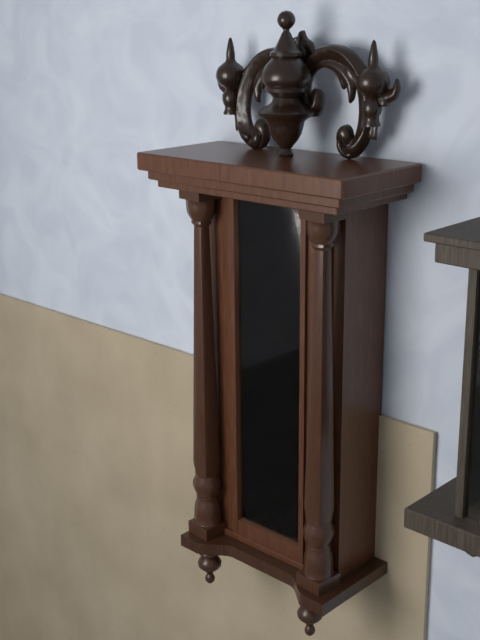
7:07
